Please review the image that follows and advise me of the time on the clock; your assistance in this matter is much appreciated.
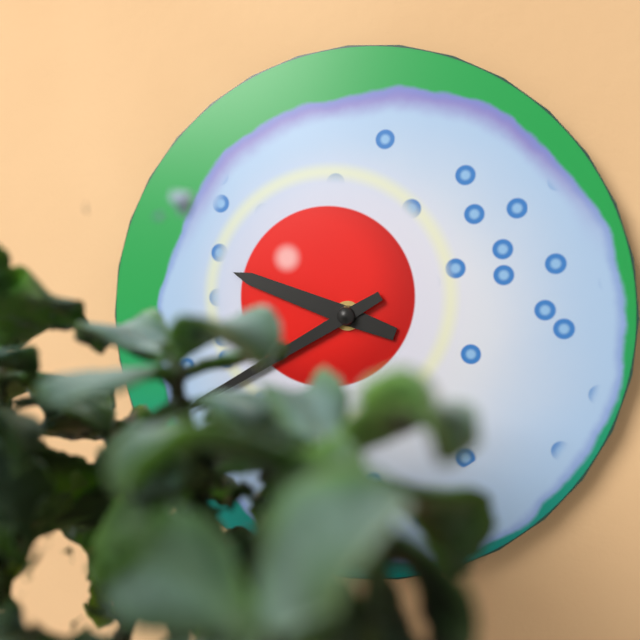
9:40
